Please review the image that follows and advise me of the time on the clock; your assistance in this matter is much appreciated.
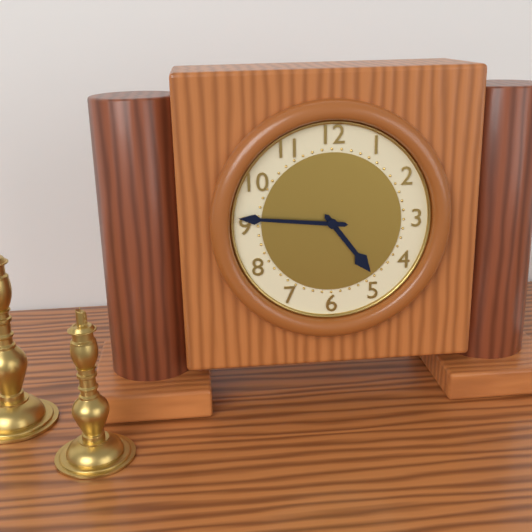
4:46
